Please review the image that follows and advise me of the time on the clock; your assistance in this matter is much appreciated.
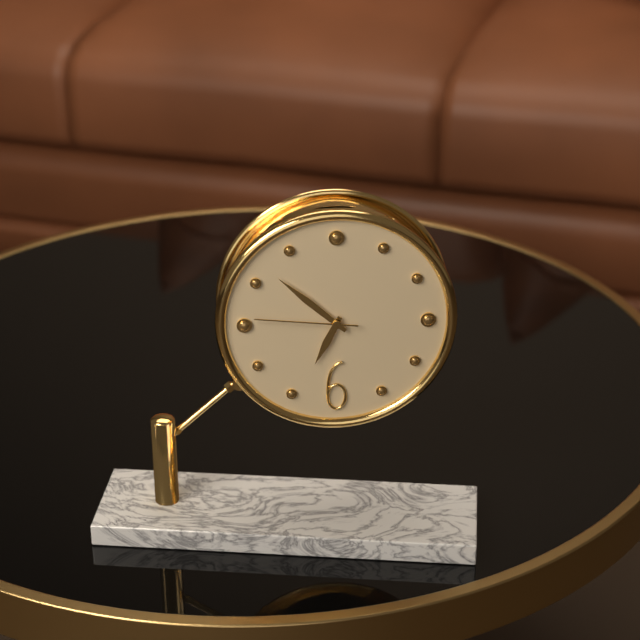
6:52:46
